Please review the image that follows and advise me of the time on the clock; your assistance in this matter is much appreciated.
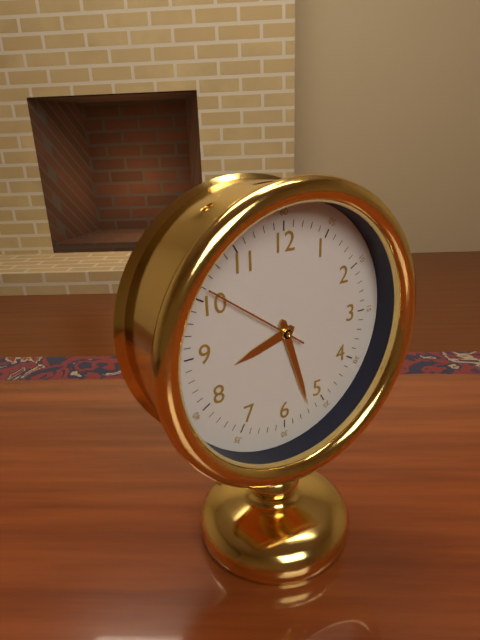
8:27:51
